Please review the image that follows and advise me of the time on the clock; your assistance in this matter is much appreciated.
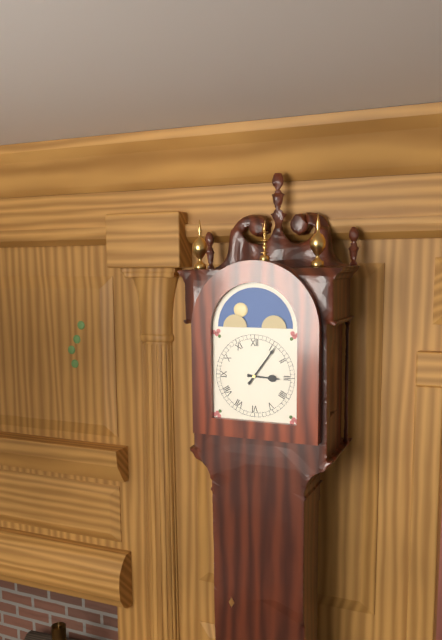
3:06
